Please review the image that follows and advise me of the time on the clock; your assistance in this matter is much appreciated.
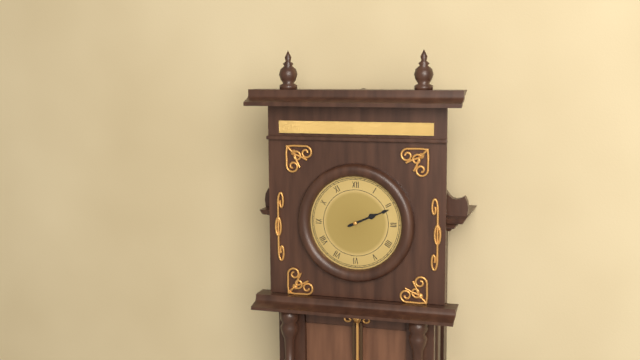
2:11
